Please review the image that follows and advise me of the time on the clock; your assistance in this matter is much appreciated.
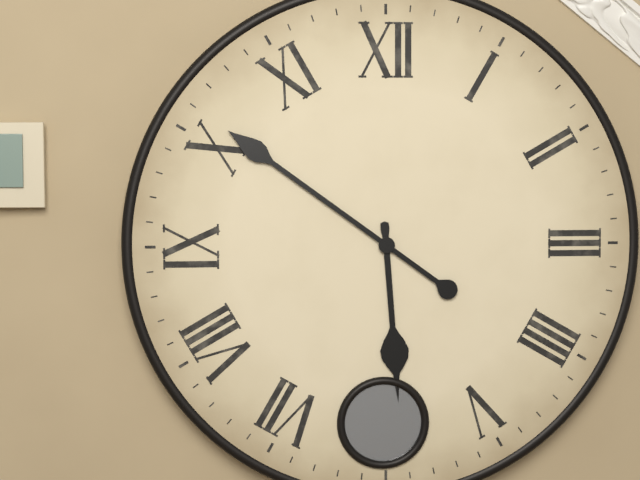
5:51
